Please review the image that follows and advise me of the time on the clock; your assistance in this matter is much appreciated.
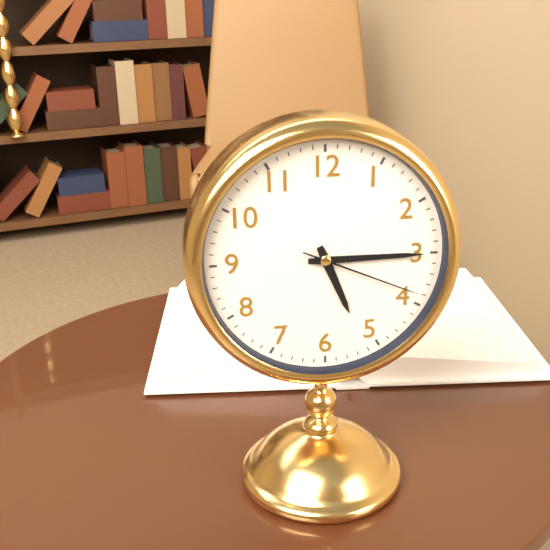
5:15:19
